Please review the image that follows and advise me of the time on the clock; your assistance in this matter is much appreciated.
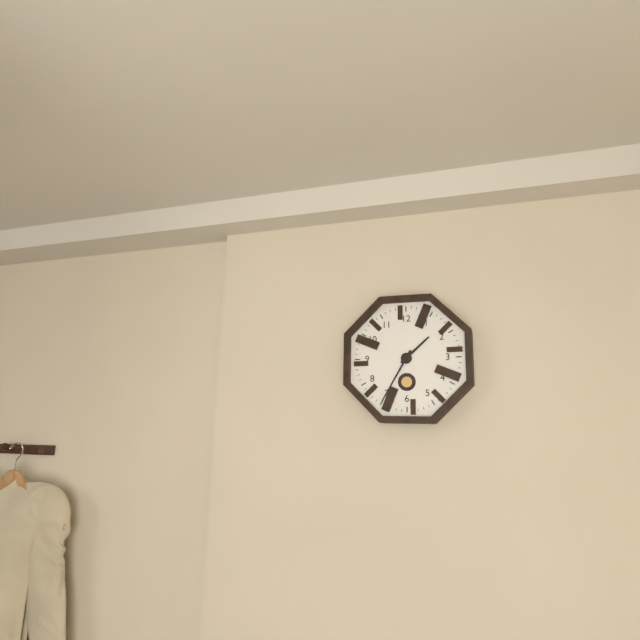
1:35
